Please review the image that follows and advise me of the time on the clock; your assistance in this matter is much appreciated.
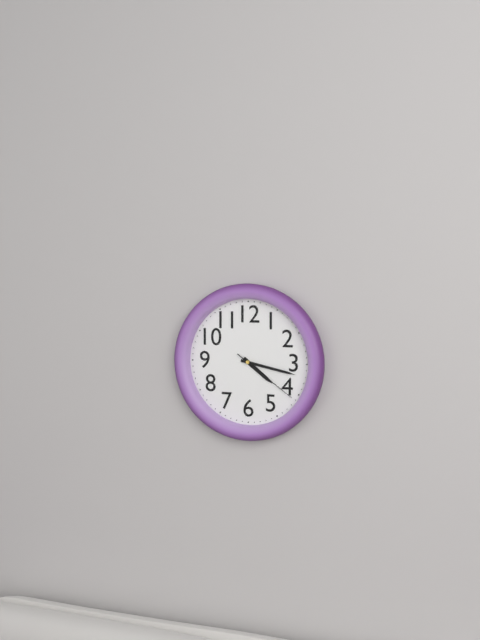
4:17:21
